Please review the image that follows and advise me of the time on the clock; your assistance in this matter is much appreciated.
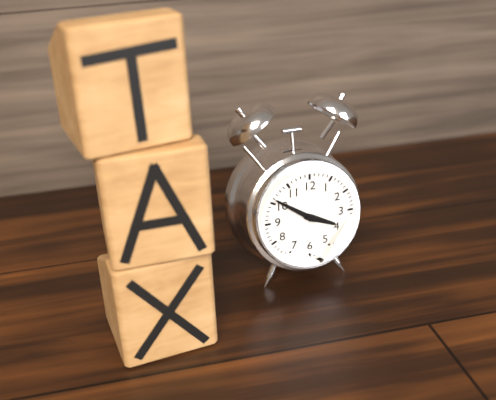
3:51
